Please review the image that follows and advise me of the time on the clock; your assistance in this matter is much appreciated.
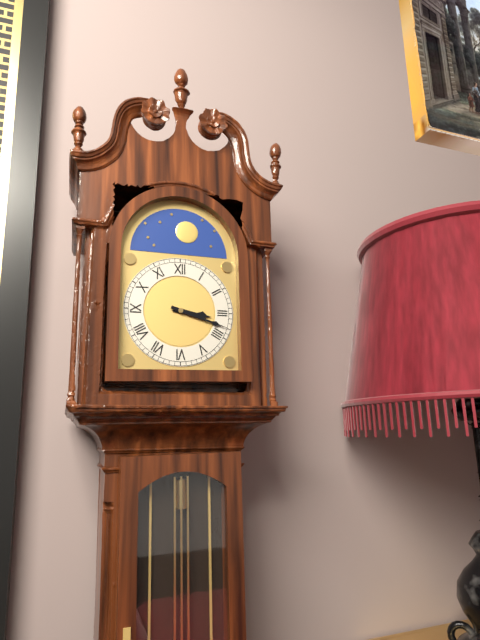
3:18
